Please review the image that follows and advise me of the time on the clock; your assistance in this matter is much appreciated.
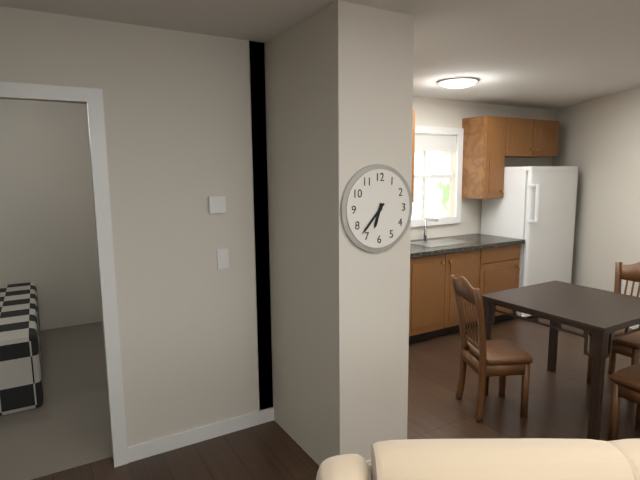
6:37
